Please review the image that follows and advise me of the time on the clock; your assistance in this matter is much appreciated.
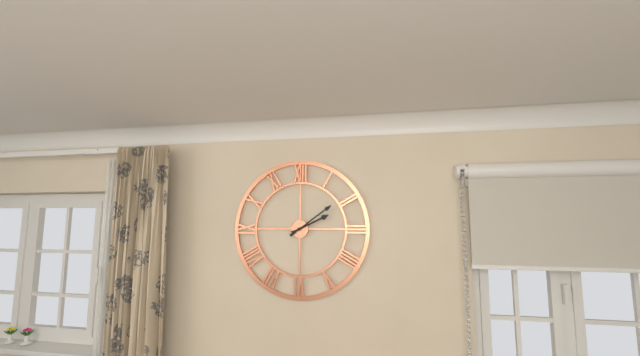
2:09
